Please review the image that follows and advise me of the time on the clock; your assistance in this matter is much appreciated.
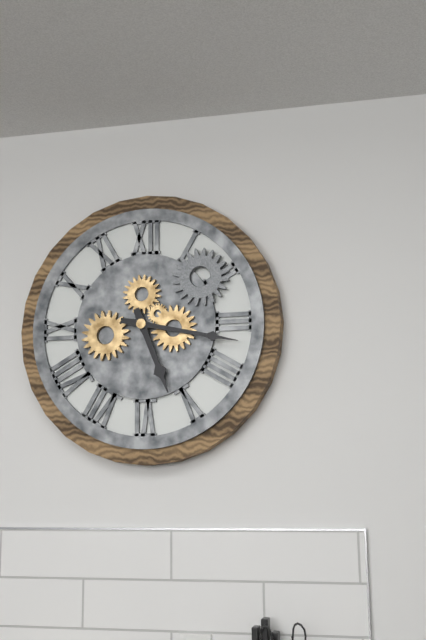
5:17
